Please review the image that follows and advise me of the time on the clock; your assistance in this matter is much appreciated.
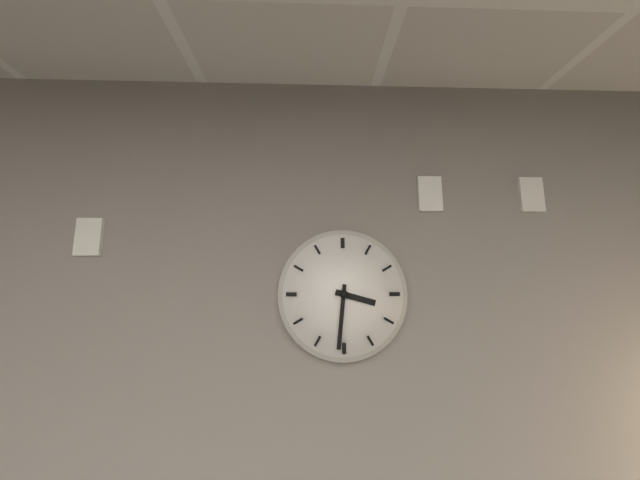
3:31
